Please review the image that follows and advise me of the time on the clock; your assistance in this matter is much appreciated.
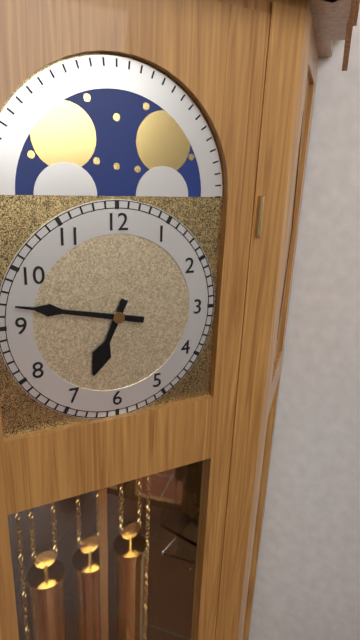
6:47
